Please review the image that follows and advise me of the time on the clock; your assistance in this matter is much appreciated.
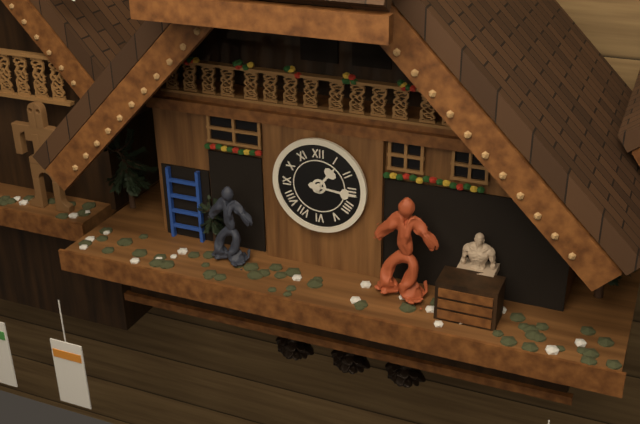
1:16
